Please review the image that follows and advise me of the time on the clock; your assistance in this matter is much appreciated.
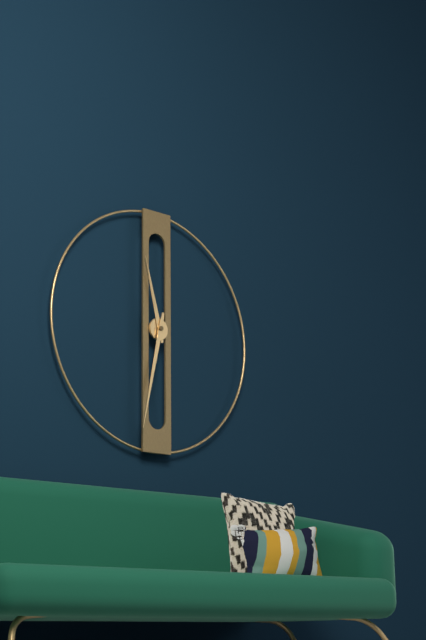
11:32
